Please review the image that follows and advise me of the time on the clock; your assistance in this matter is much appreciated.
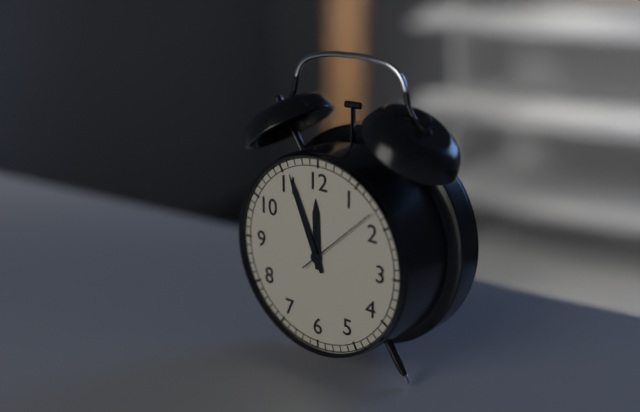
11:56:08
